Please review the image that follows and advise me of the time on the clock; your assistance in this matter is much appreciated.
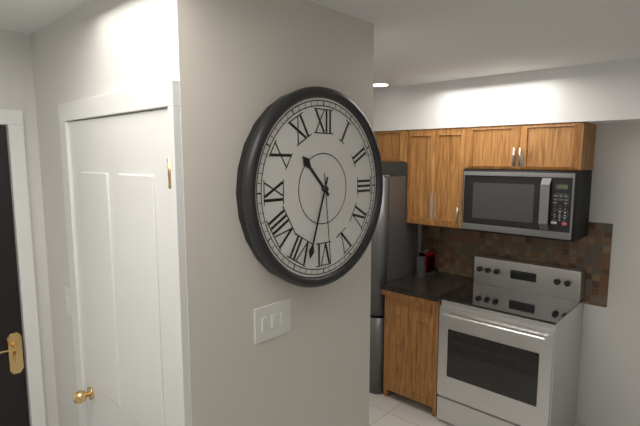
10:33:29
